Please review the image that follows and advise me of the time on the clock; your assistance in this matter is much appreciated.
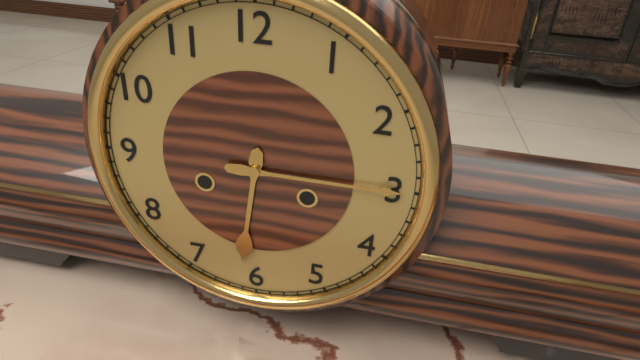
6:15
